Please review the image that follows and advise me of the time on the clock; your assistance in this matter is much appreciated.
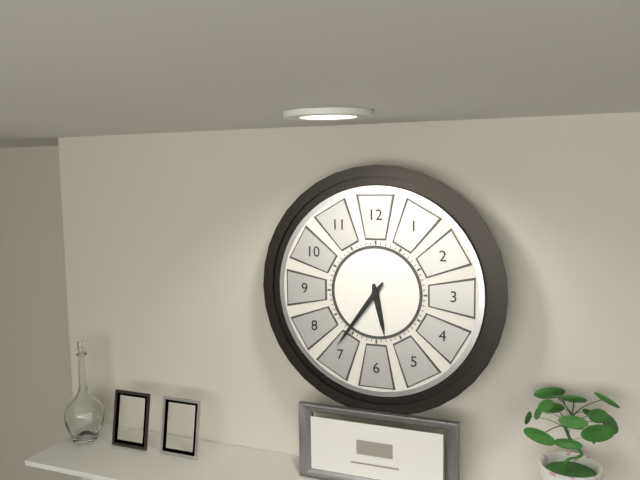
5:36
